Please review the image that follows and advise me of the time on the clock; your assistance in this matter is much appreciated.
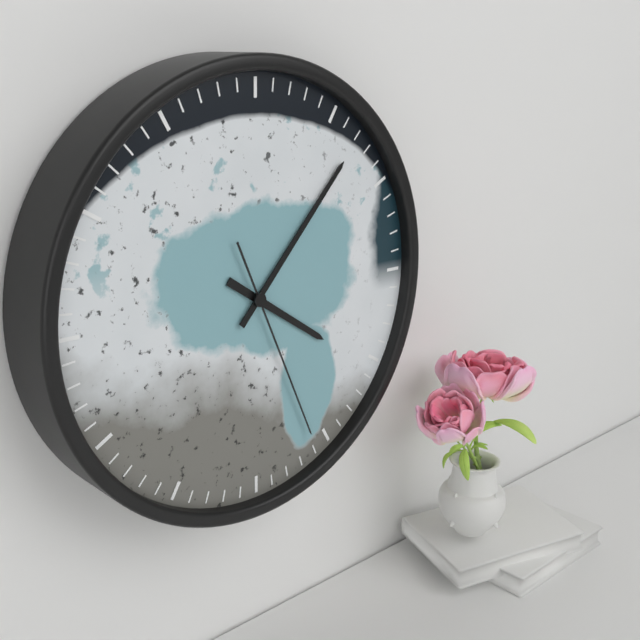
4:07:26
